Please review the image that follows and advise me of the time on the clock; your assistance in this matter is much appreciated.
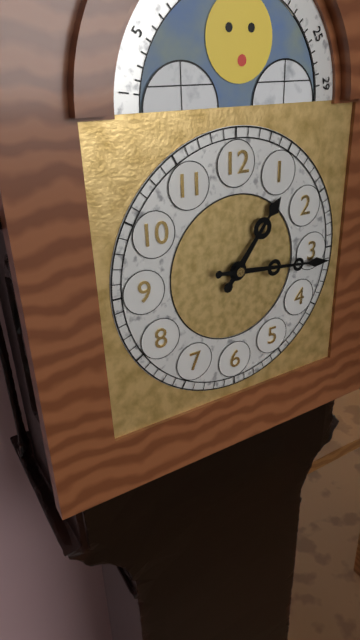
1:16
